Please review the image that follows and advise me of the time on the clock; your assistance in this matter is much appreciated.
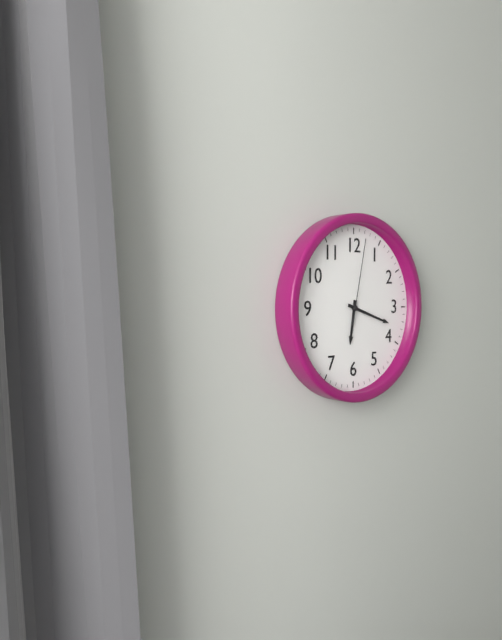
6:18:02
